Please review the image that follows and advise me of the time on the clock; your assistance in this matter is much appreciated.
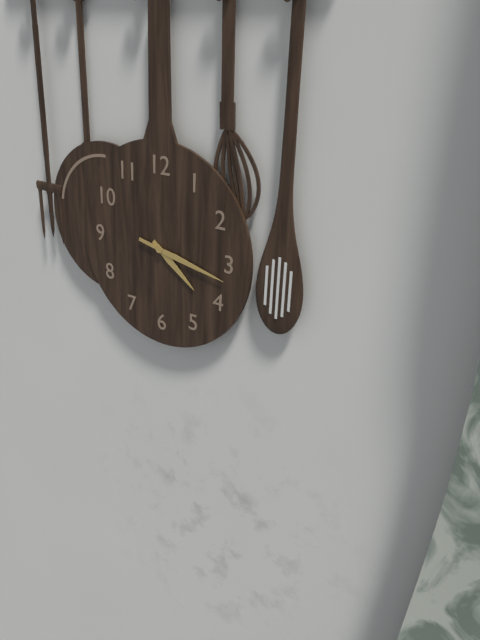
4:17
